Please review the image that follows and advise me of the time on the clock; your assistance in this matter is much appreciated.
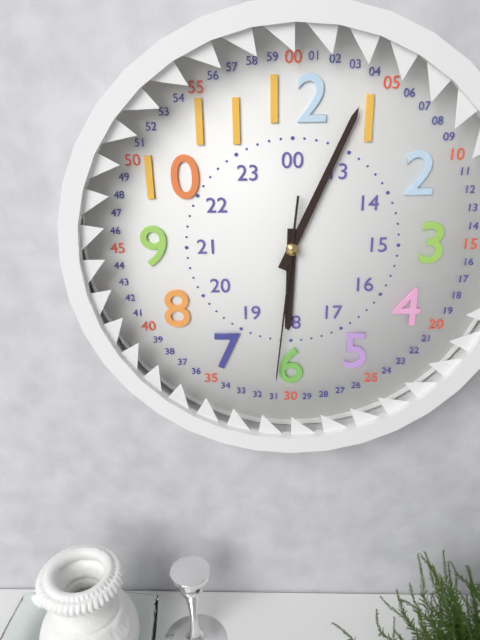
6:04:31
